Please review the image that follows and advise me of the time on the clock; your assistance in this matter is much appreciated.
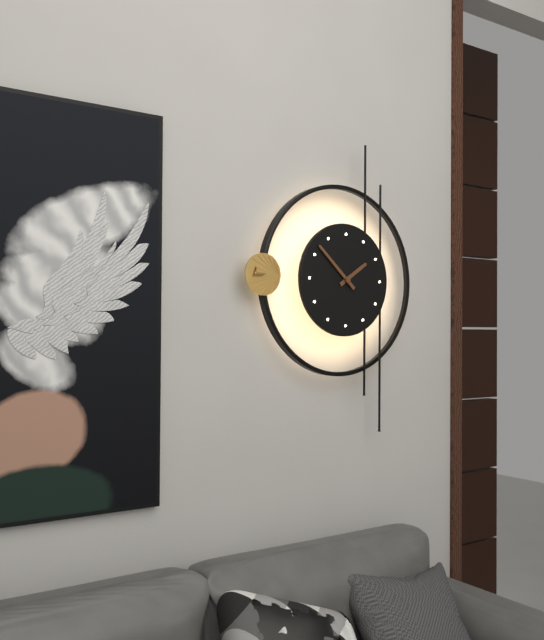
1:52
